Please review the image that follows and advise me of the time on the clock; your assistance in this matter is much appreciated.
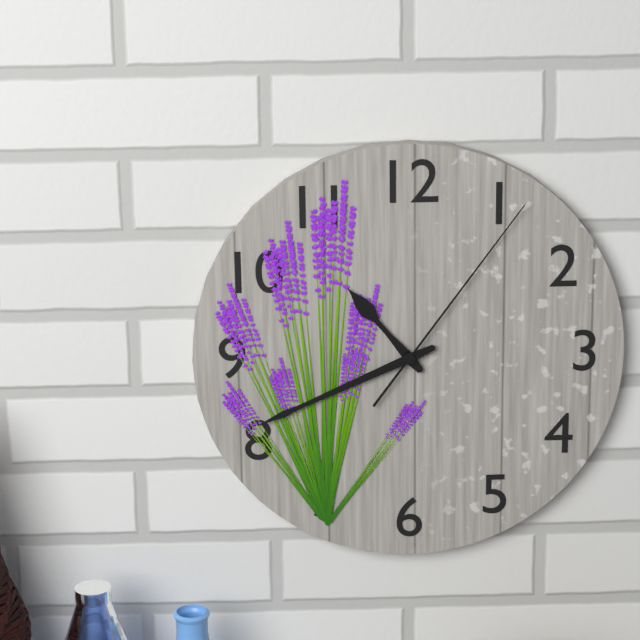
10:41:06
